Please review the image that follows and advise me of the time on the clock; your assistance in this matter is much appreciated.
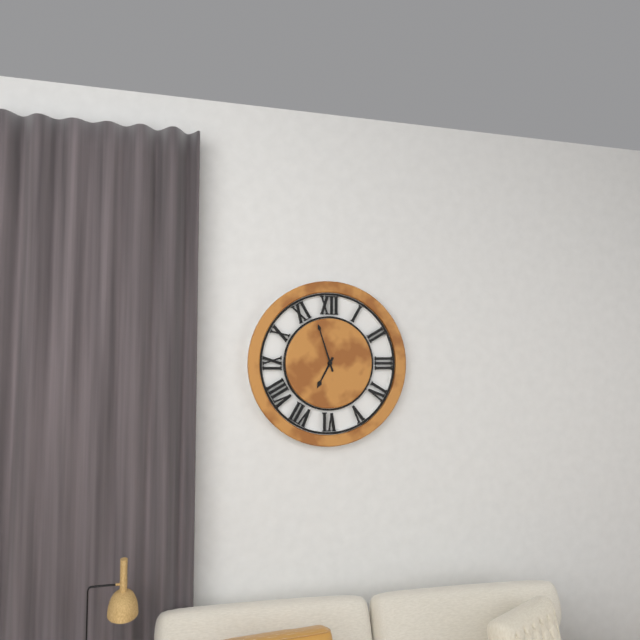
6:57
